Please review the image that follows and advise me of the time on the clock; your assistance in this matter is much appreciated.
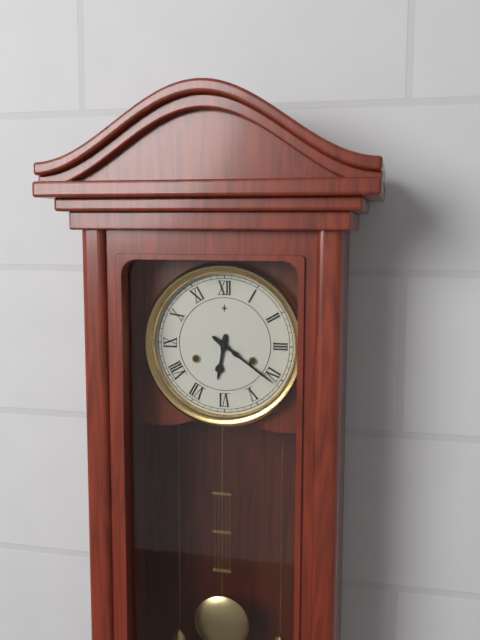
6:21
